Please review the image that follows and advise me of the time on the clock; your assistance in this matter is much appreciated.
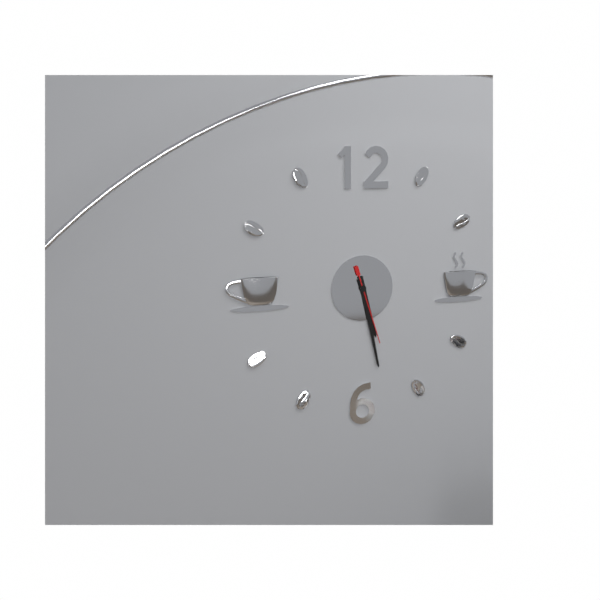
5:28:27
